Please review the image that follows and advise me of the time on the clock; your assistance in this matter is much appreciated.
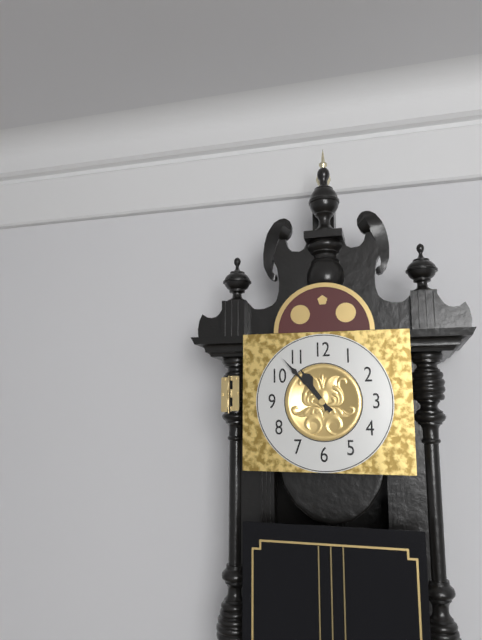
10:53
